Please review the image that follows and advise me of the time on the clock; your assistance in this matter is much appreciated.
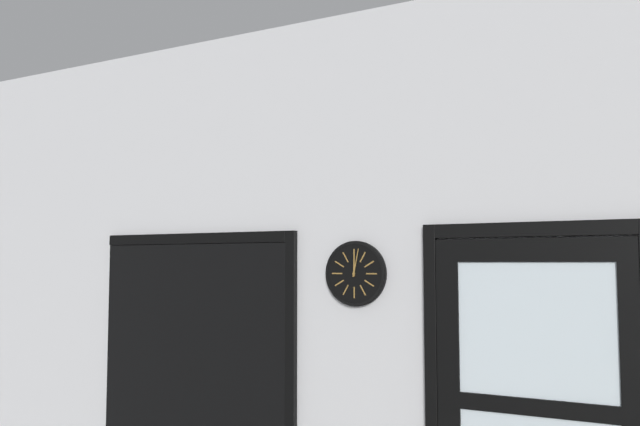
12:02
